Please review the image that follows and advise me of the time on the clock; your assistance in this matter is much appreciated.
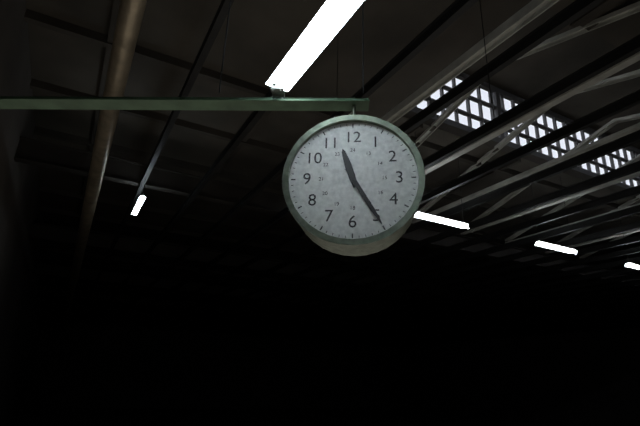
11:25
